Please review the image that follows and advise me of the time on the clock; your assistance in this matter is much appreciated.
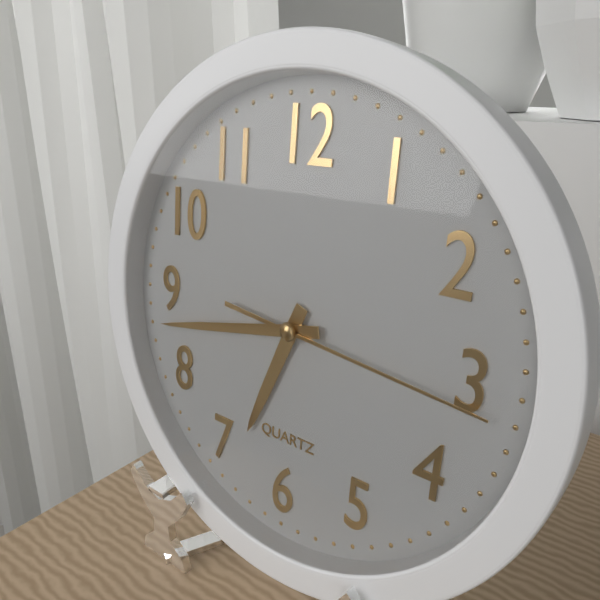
6:43:16
